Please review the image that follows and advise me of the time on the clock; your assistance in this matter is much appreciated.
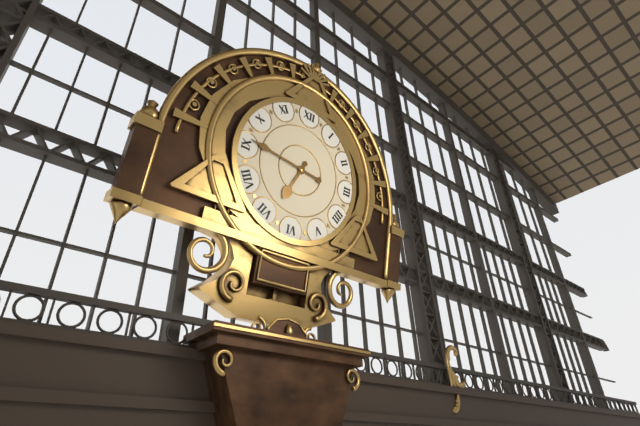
6:46
